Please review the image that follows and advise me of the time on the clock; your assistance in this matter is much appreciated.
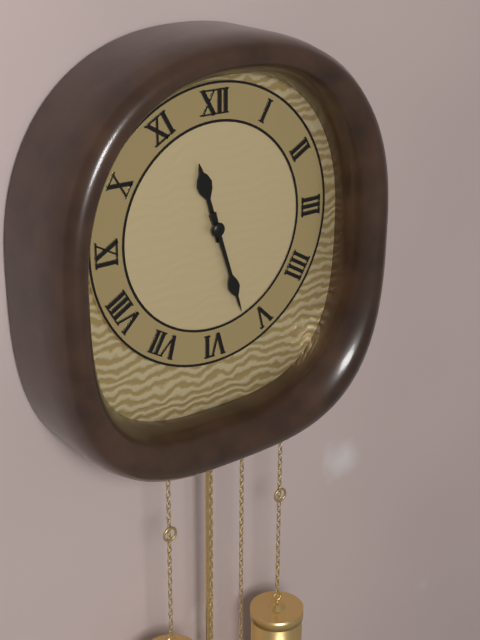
11:27
